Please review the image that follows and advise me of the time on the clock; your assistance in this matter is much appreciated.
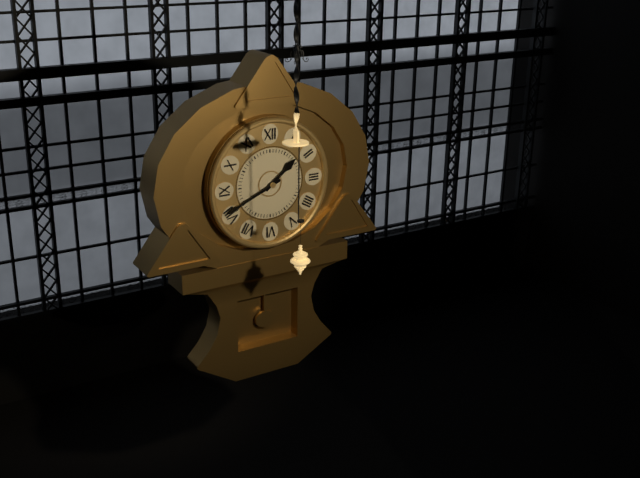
1:41
